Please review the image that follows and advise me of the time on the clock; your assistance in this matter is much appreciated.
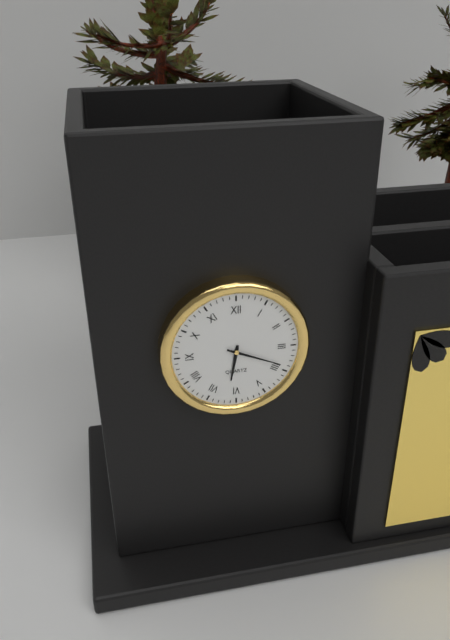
6:19
